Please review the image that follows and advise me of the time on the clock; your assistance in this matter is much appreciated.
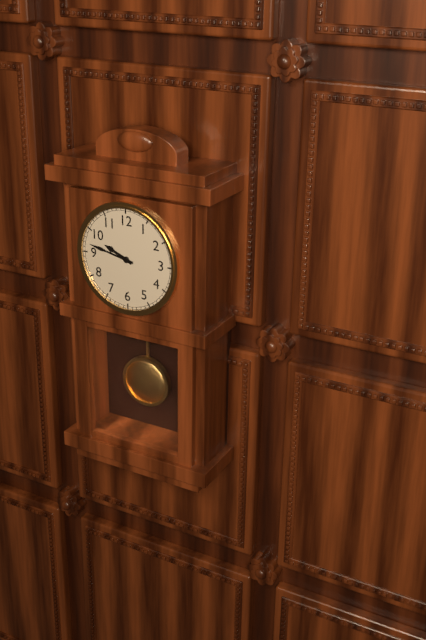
9:47
